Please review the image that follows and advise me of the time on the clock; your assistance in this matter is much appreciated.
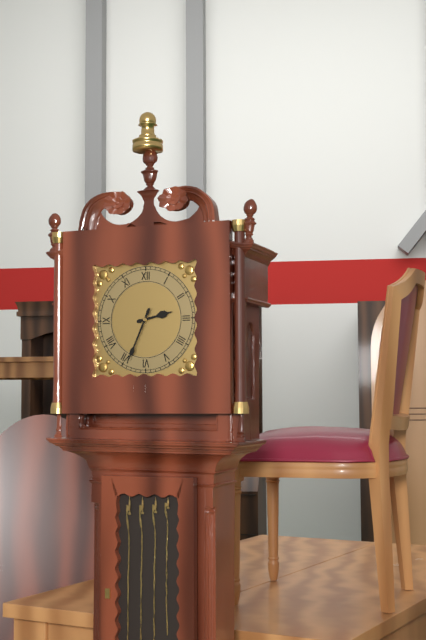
2:34
